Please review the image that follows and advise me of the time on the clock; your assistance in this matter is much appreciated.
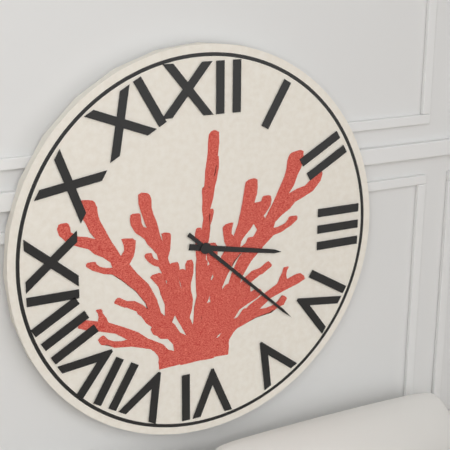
3:22
